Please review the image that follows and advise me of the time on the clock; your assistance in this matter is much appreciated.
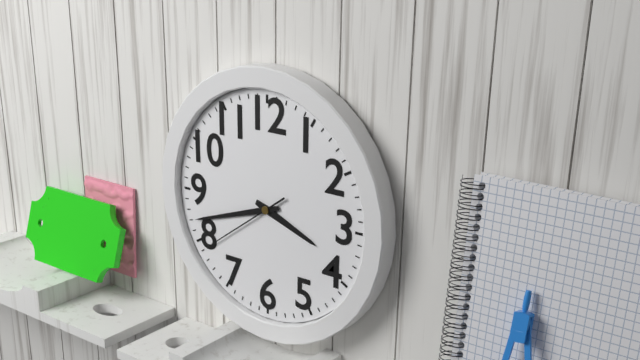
3:42:39
